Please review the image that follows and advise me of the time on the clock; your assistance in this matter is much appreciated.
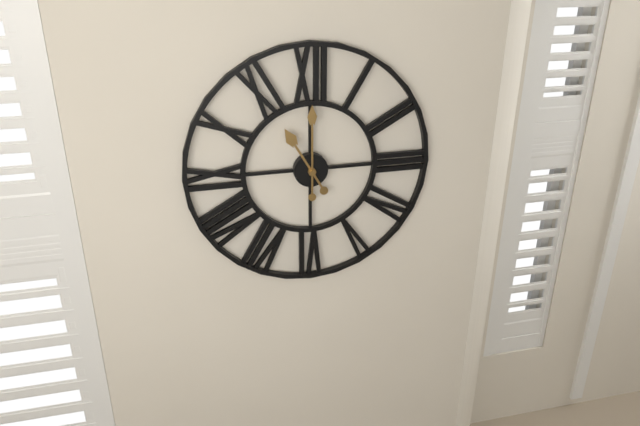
11:00
